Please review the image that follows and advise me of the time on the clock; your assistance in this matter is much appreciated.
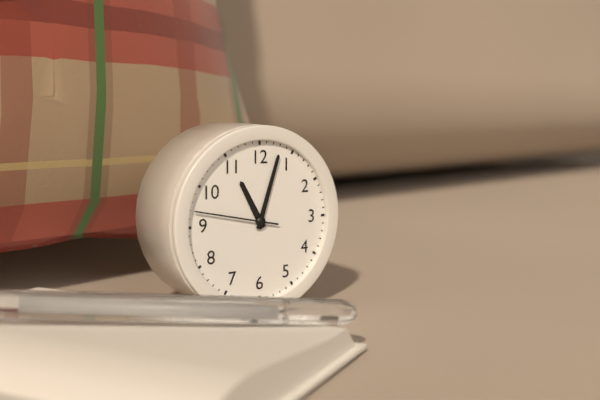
11:03:47
